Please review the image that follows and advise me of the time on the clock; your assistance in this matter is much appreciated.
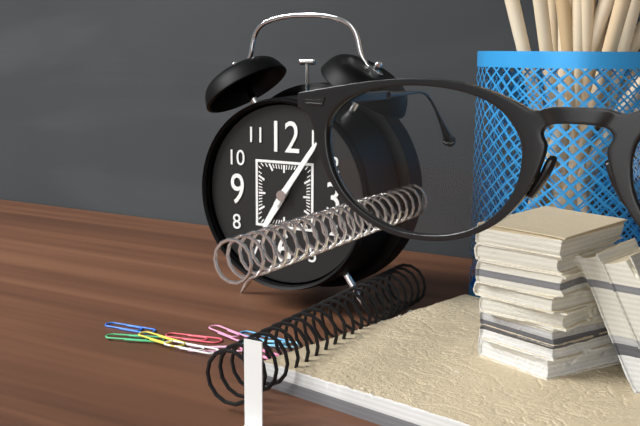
7:06
